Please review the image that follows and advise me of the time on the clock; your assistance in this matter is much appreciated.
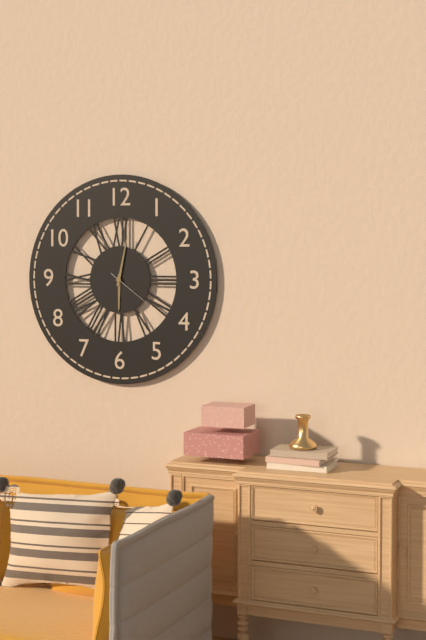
6:02
